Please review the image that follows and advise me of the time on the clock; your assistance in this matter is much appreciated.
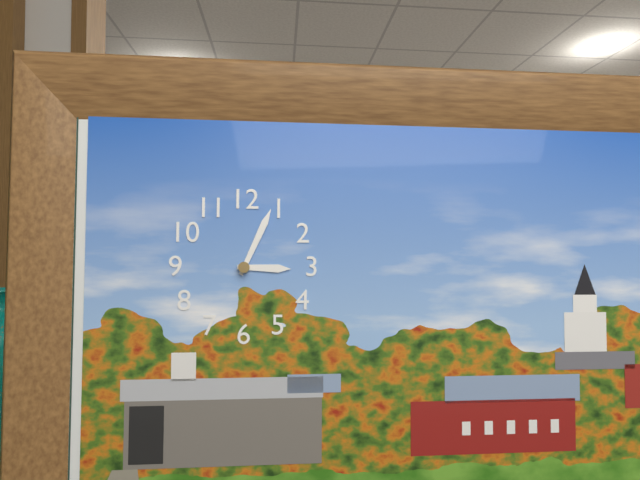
3:04
